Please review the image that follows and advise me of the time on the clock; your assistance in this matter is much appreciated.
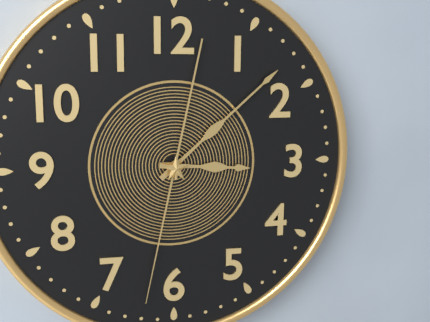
3:08:32
